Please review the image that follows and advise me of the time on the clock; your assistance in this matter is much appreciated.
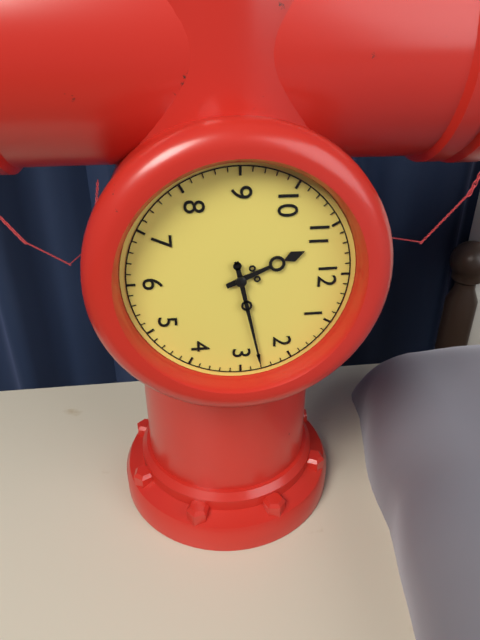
11:13
